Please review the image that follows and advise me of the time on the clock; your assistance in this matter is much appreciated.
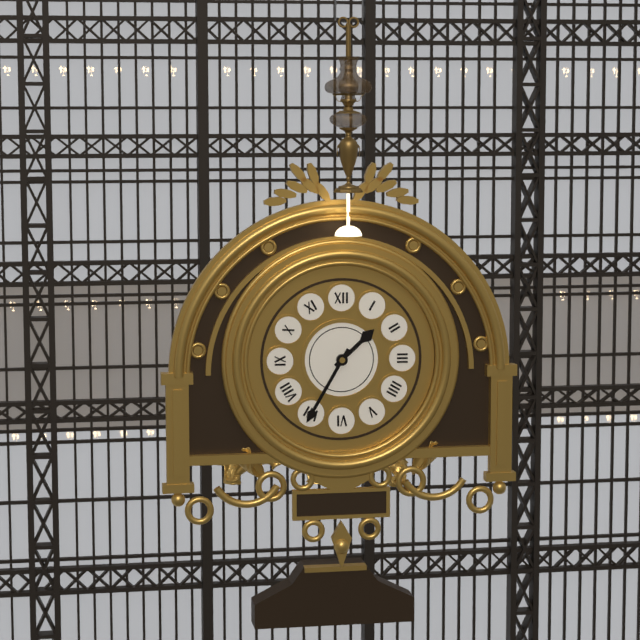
1:35
